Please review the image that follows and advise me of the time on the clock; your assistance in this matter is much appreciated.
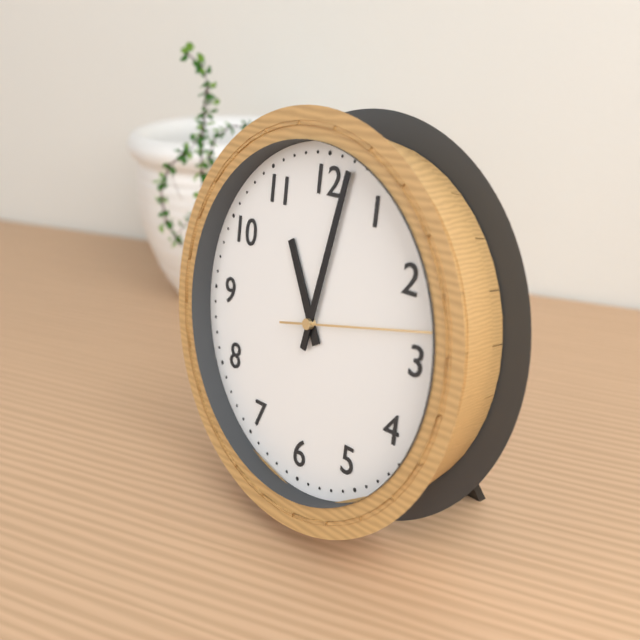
11:02:13
